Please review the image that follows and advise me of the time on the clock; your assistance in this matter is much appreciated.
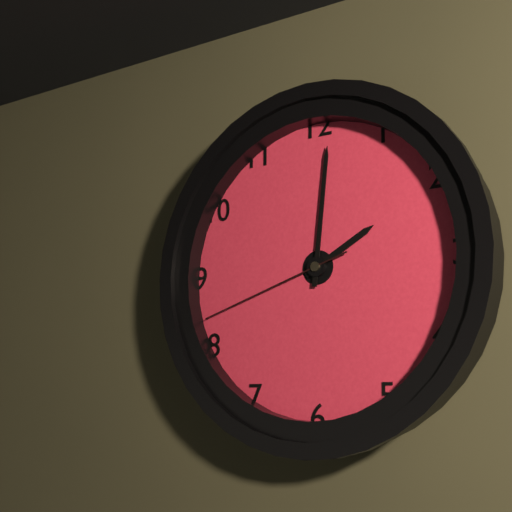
2:01:42
